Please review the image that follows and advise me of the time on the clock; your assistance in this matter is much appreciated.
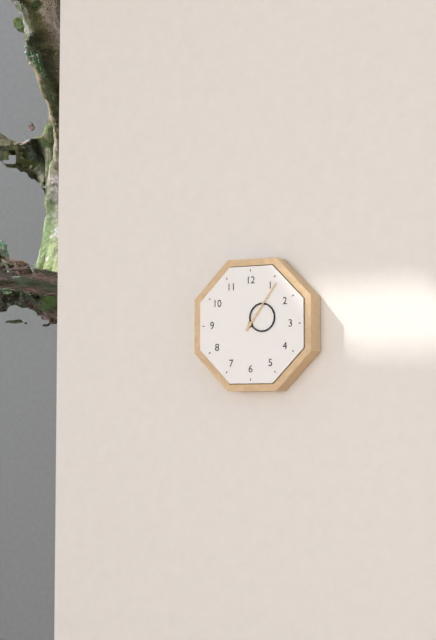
2:06
